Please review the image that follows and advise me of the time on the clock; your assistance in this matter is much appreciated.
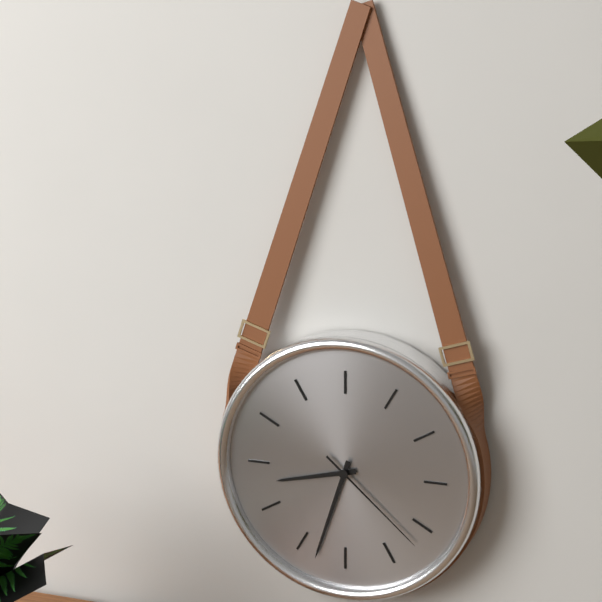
8:33:22
